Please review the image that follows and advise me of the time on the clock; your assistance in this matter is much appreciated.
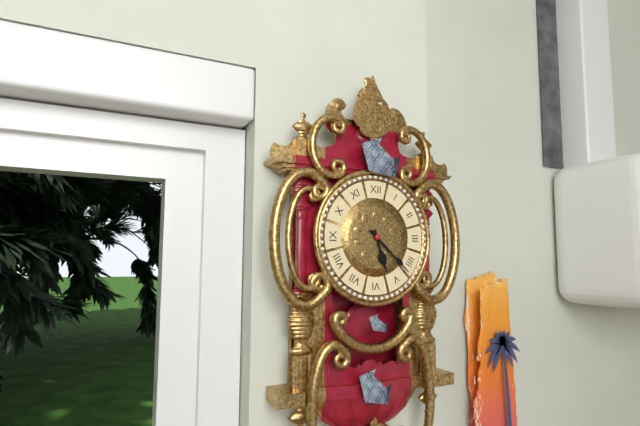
5:22
